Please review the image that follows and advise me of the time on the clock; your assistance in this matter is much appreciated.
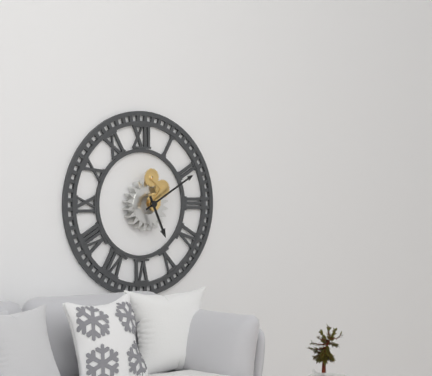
5:10
